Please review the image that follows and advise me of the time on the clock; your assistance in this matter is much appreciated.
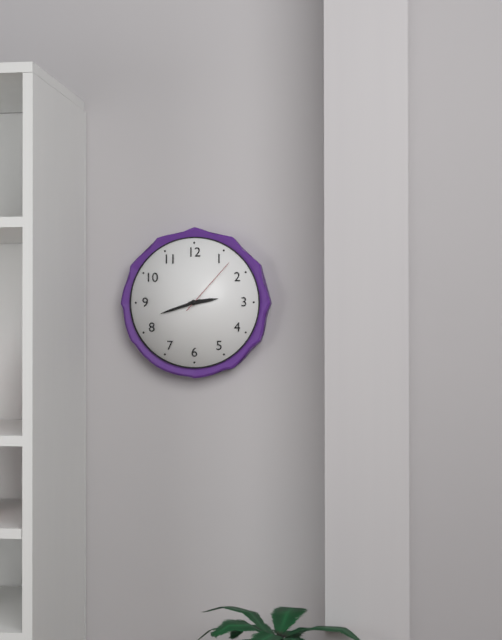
2:42:07
